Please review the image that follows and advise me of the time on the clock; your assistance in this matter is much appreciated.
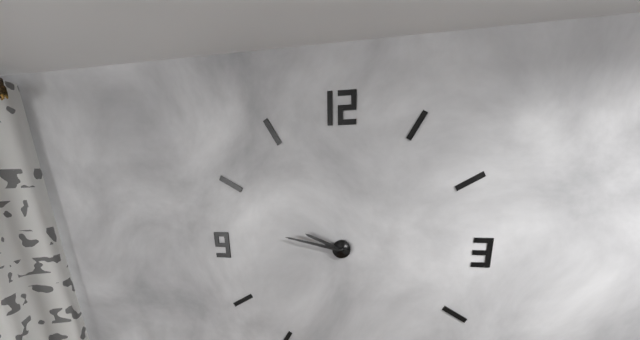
9:47
